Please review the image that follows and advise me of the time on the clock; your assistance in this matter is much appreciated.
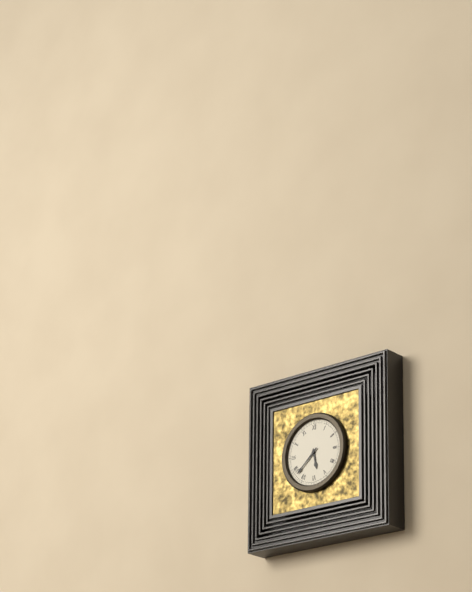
5:38
